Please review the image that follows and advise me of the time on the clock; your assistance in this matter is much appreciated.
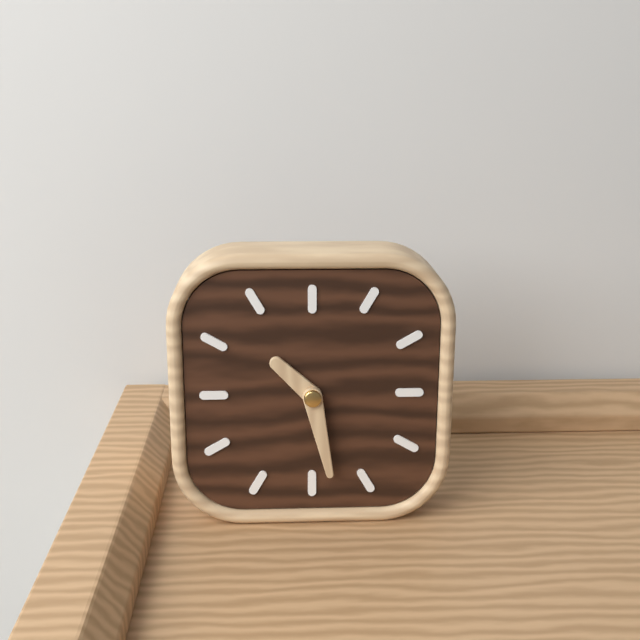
10:28
